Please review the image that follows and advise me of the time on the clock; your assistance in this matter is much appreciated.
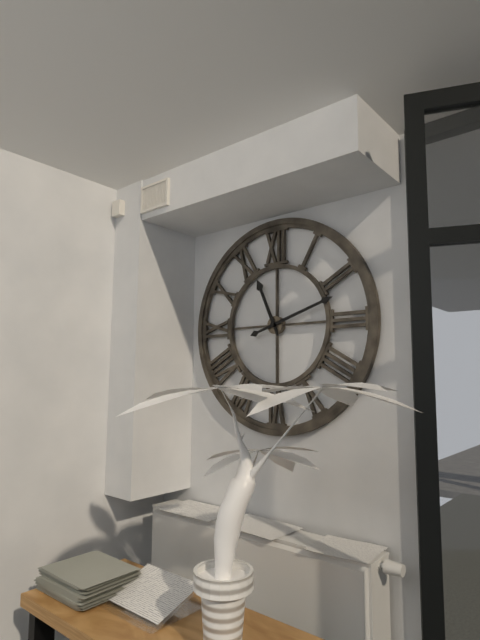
11:12
